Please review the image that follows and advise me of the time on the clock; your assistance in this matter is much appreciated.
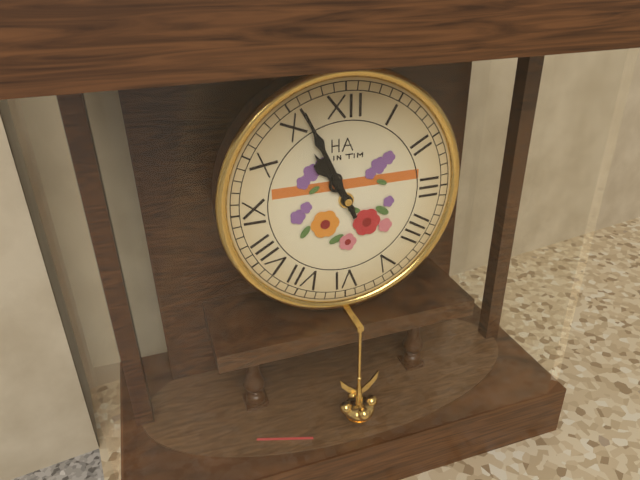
10:56
